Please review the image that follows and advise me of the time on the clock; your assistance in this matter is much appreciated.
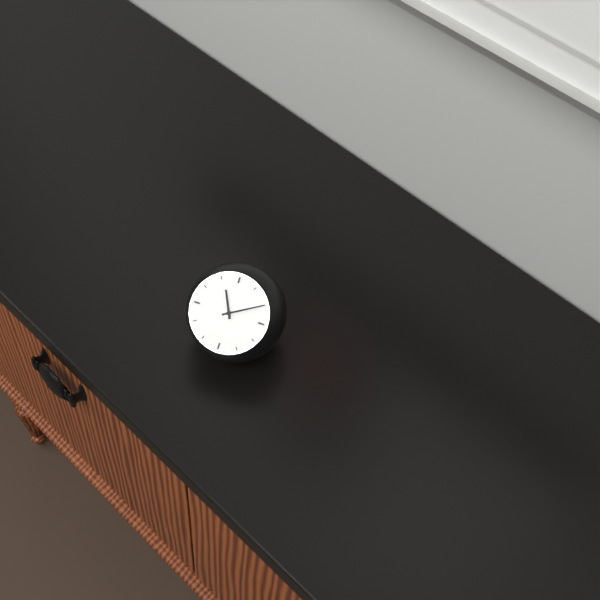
11:10
